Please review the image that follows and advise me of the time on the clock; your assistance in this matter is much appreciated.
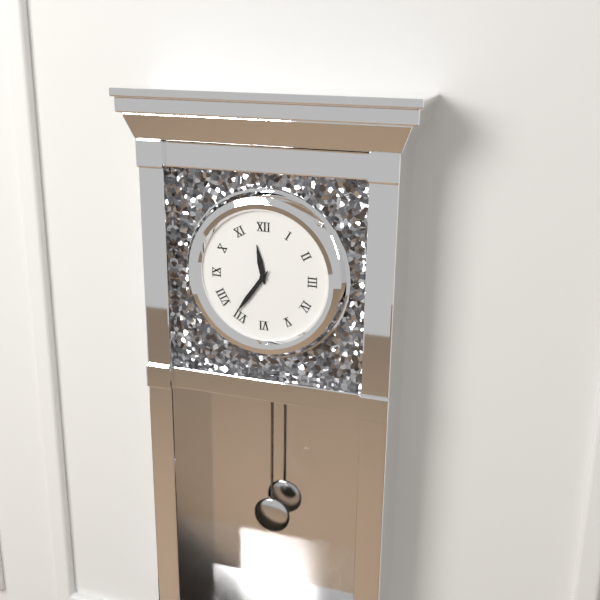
11:36
